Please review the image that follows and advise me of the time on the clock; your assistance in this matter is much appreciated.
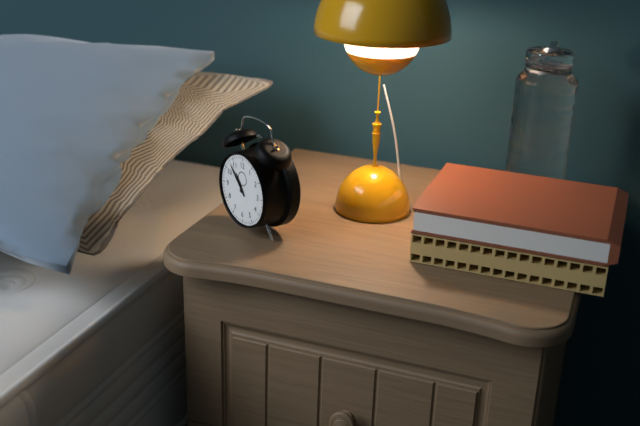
10:53
